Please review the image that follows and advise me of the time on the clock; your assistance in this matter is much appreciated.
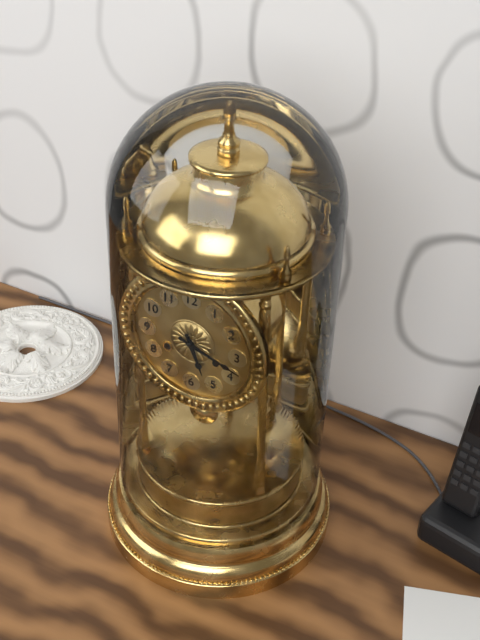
5:18
